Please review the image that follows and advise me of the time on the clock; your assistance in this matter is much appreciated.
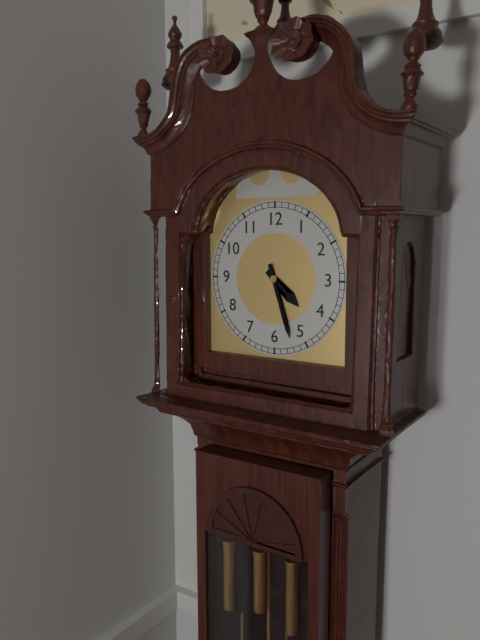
4:27
